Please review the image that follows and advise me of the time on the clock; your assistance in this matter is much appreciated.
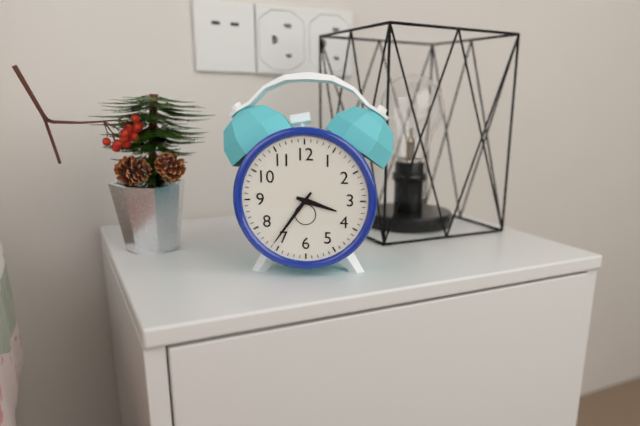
3:36
